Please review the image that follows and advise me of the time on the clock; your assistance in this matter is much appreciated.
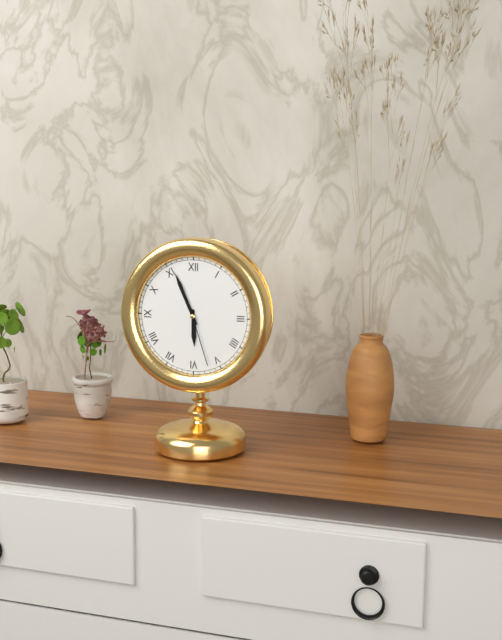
5:56:27
